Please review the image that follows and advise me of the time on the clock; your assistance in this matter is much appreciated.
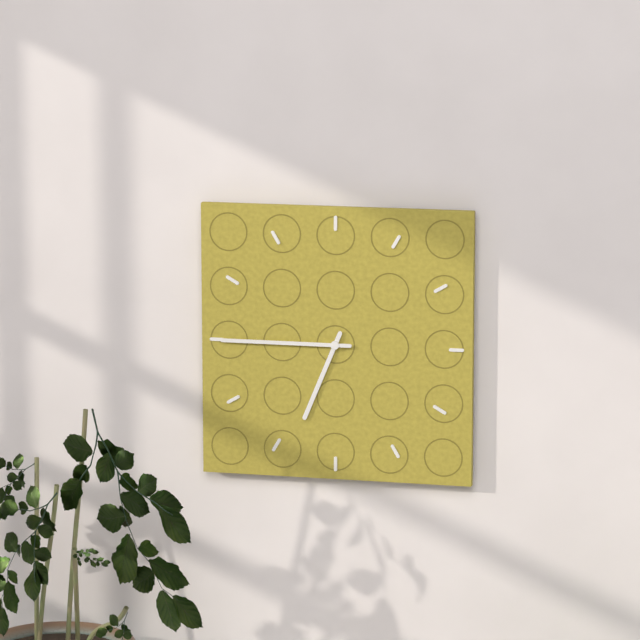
6:45
